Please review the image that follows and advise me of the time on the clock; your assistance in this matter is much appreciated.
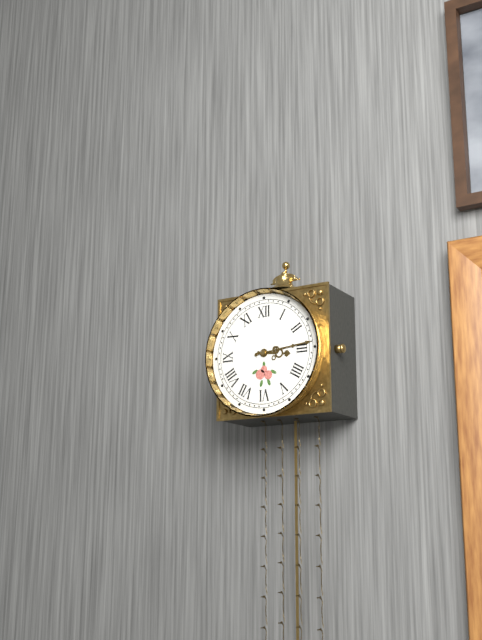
3:14
